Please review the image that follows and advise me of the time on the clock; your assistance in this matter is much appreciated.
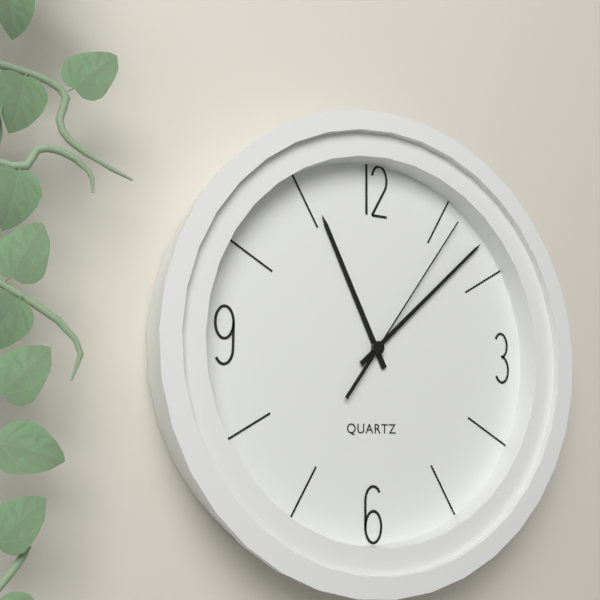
11:08:06
